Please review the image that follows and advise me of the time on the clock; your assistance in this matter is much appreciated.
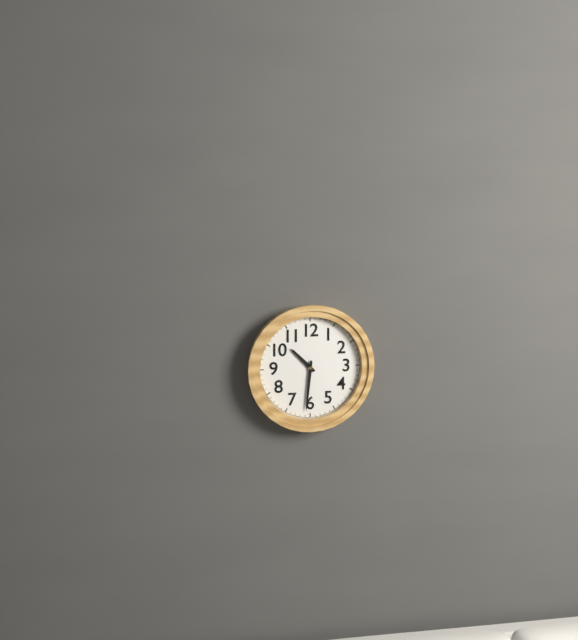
10:31
